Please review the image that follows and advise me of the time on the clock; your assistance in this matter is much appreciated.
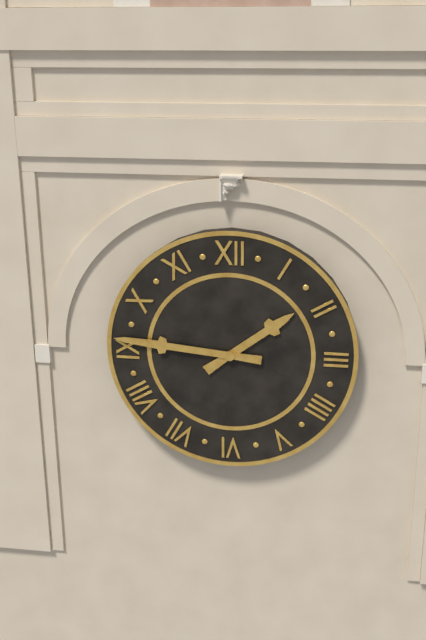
1:46
